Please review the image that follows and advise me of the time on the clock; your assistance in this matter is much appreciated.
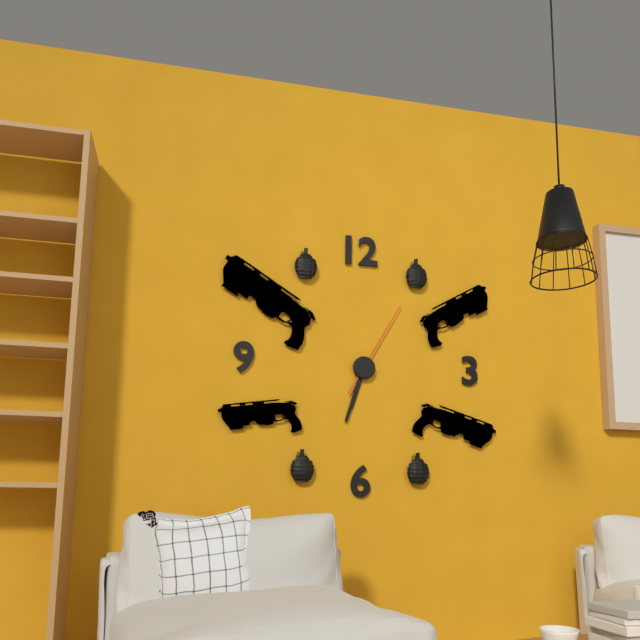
6:33:05
